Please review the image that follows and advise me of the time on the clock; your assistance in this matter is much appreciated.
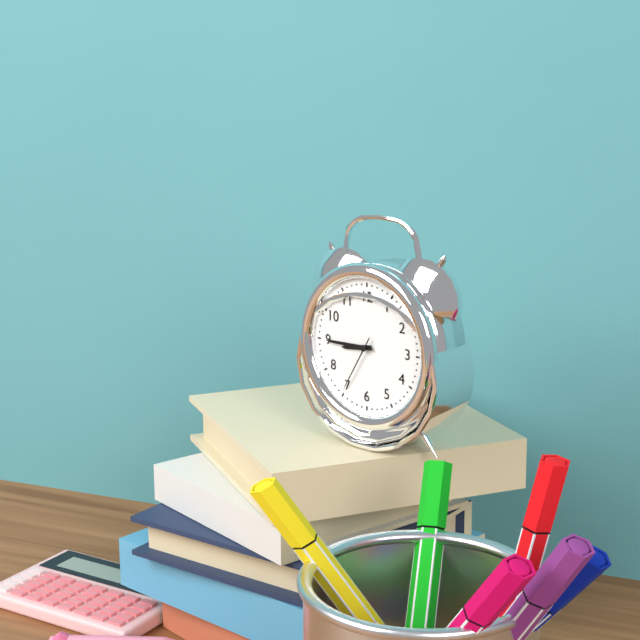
8:45:35
